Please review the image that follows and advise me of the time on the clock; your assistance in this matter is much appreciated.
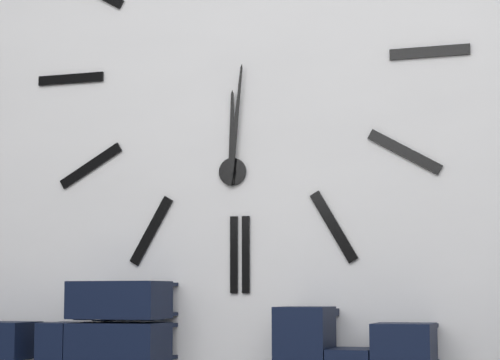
12:01
